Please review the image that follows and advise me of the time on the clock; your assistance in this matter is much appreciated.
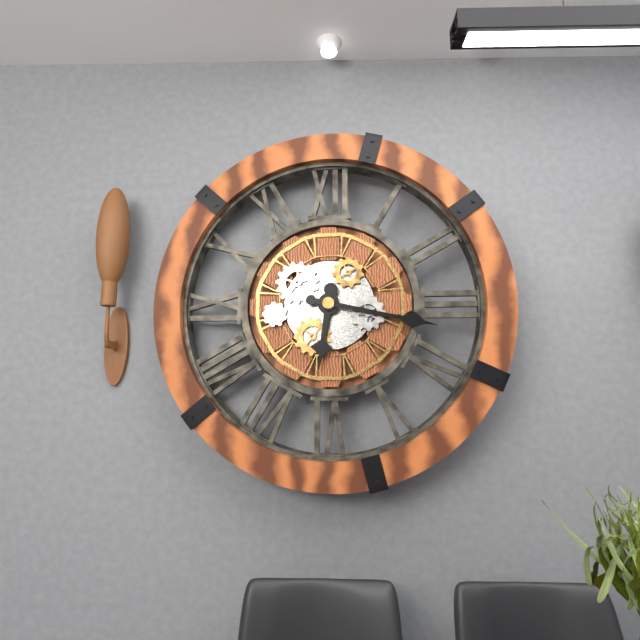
6:17
